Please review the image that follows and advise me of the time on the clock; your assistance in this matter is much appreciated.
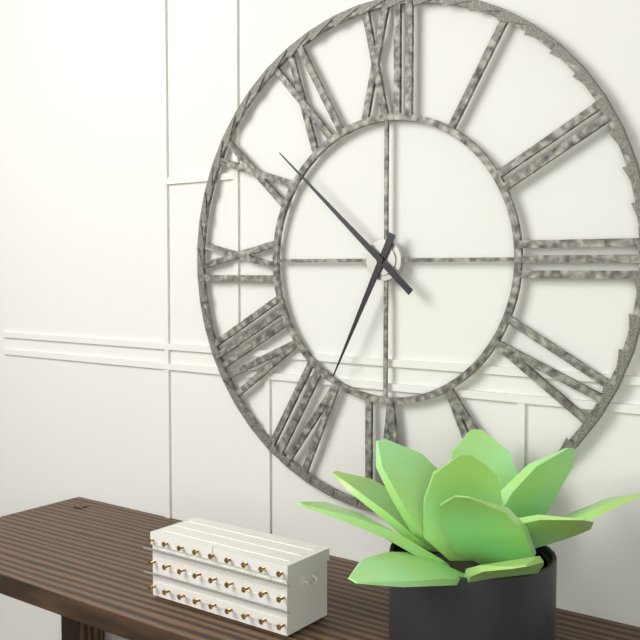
6:52
